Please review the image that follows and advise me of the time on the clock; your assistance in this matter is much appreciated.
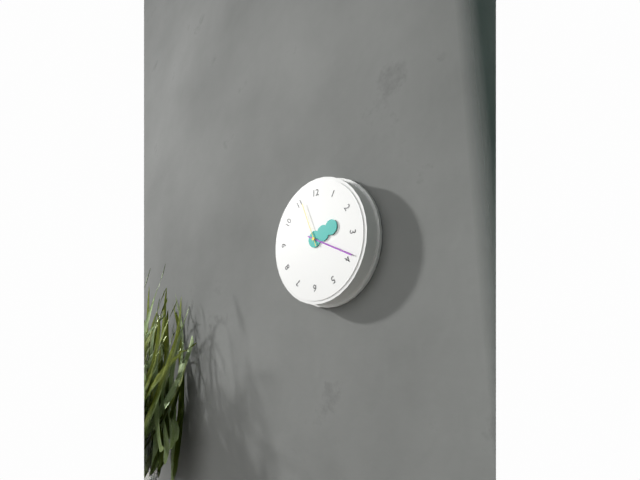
2:19:56
